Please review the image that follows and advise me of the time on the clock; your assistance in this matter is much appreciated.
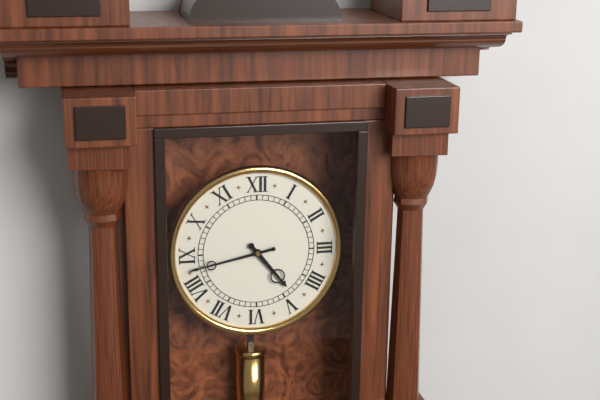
4:43
